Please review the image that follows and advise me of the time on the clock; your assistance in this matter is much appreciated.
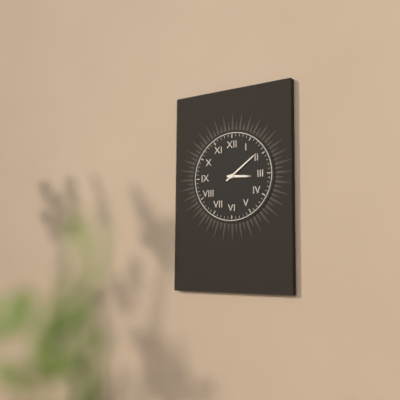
3:09
